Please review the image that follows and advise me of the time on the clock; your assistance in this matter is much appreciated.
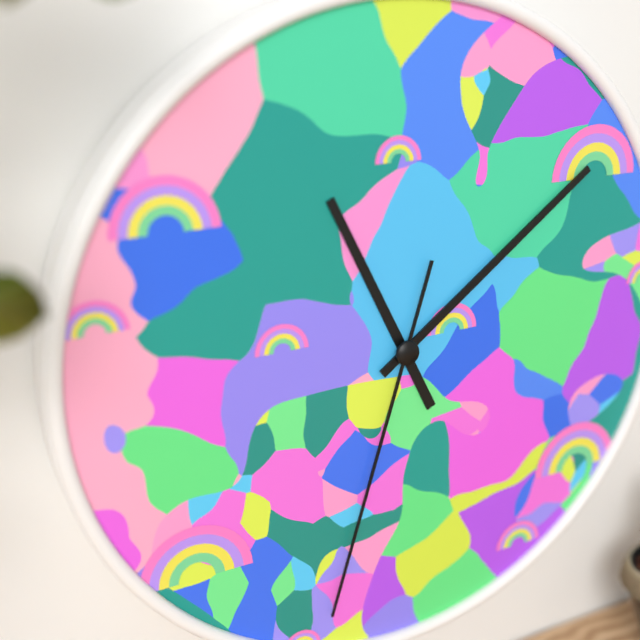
11:09:33
